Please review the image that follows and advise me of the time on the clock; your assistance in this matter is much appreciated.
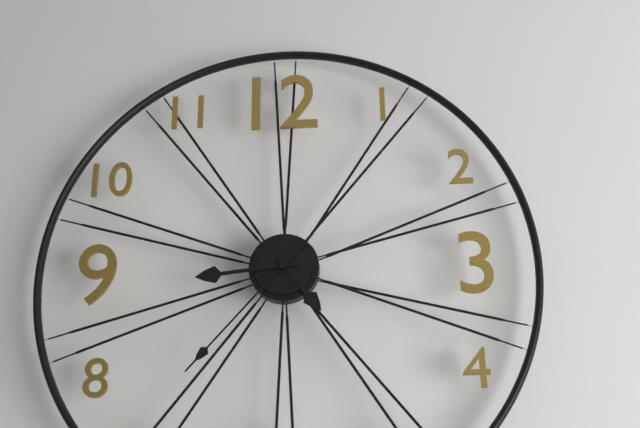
4:44:37
